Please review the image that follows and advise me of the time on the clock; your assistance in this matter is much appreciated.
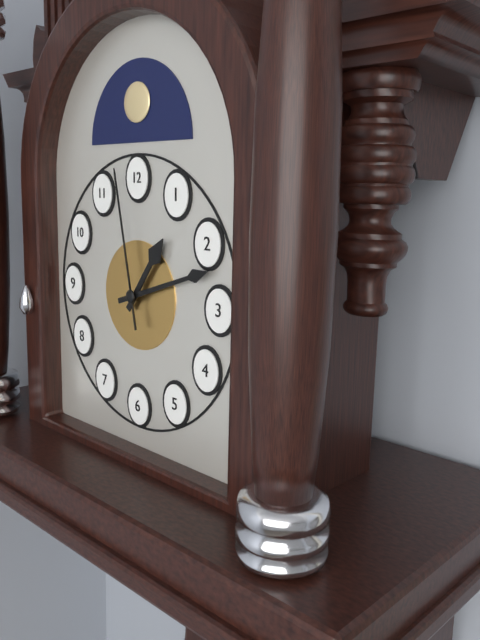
1:12:58
